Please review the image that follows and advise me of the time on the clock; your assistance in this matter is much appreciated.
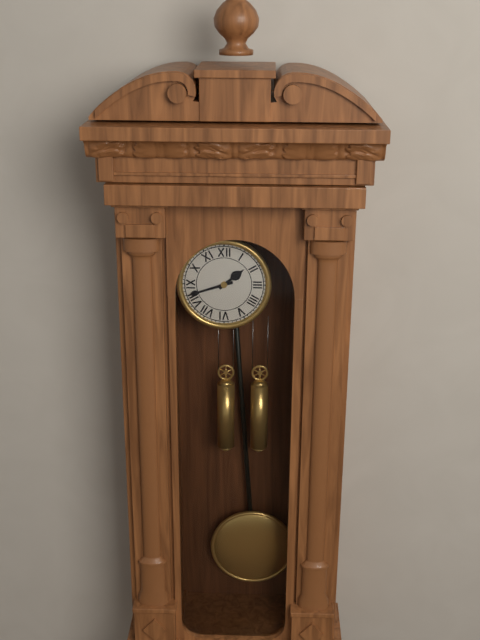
1:42
